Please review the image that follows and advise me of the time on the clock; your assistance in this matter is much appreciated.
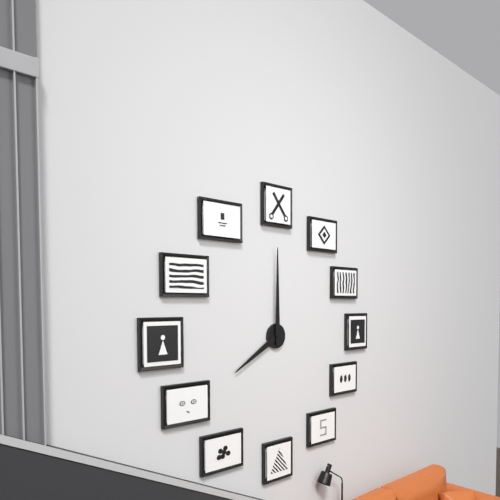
8:00
